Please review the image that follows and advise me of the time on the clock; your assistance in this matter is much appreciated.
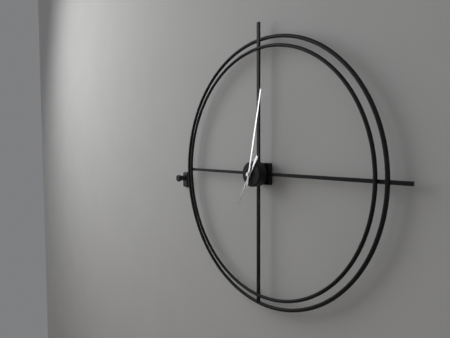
7:02
